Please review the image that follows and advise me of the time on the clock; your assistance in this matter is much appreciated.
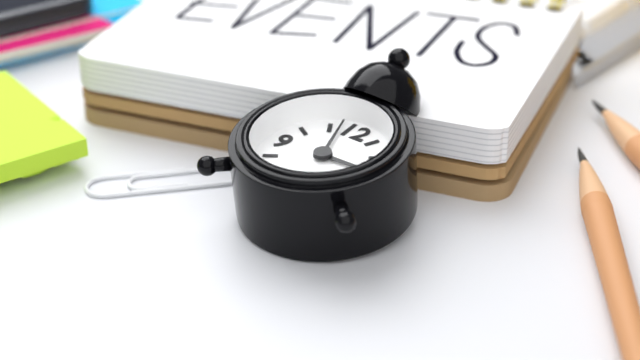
2:57
